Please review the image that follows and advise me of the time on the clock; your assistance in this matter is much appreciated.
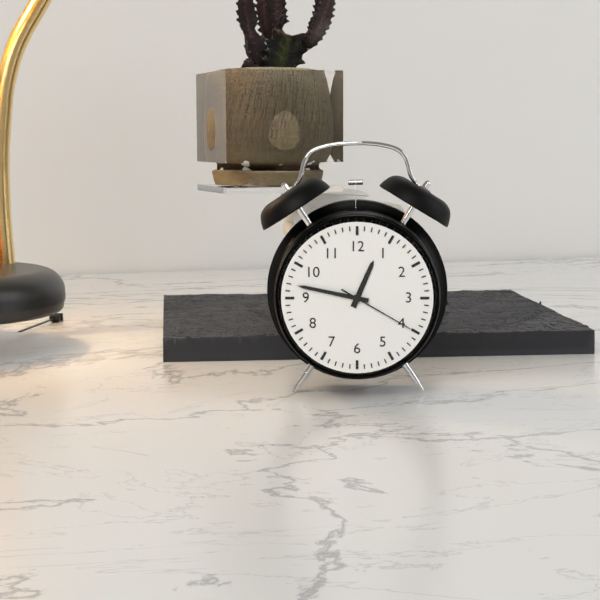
12:47:20
